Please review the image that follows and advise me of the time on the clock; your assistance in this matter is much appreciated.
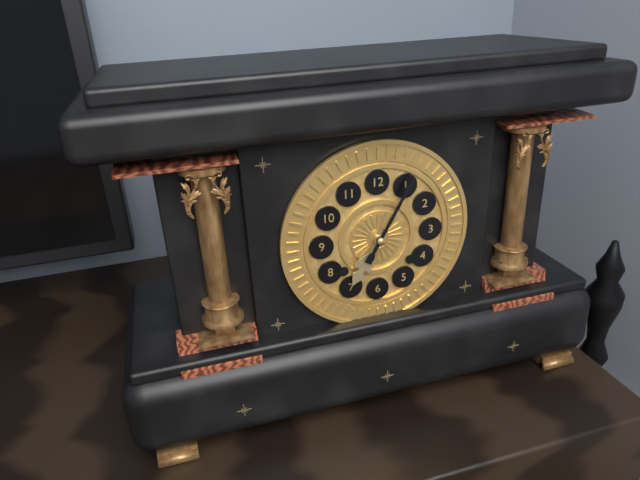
7:05
